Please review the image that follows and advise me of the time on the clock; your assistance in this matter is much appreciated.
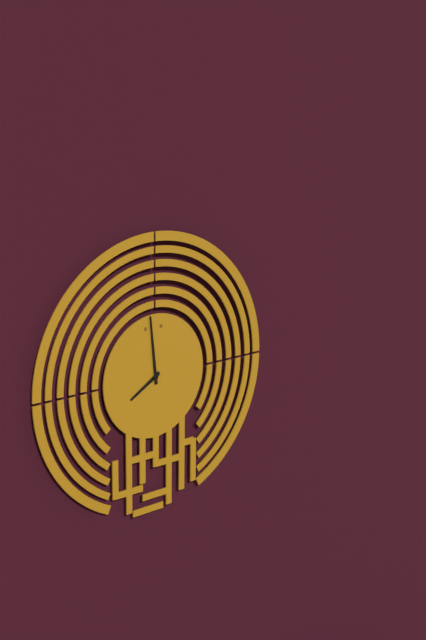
7:59
